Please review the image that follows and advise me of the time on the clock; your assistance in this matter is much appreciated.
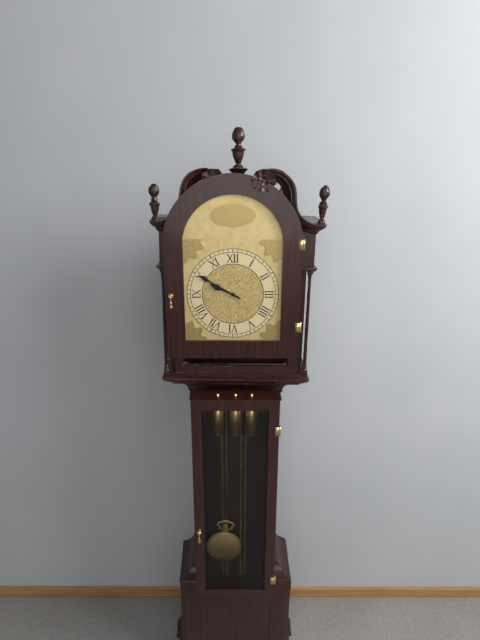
9:50
